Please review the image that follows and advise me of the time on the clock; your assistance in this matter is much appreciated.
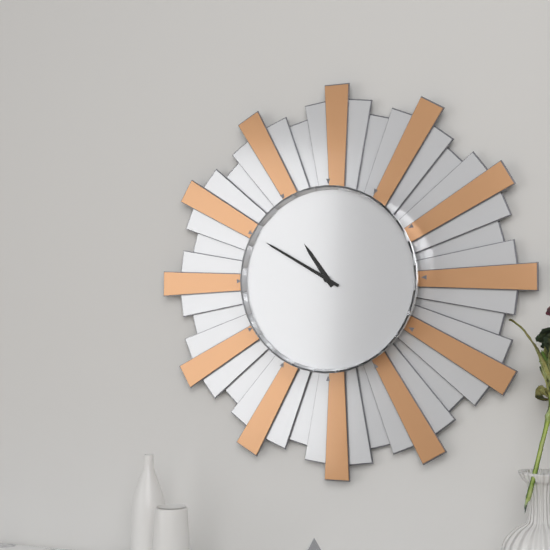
10:50
